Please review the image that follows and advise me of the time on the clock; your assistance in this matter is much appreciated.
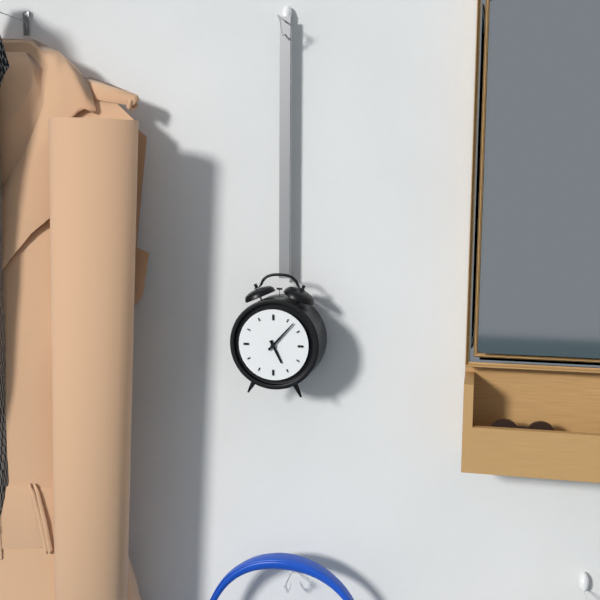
5:07
